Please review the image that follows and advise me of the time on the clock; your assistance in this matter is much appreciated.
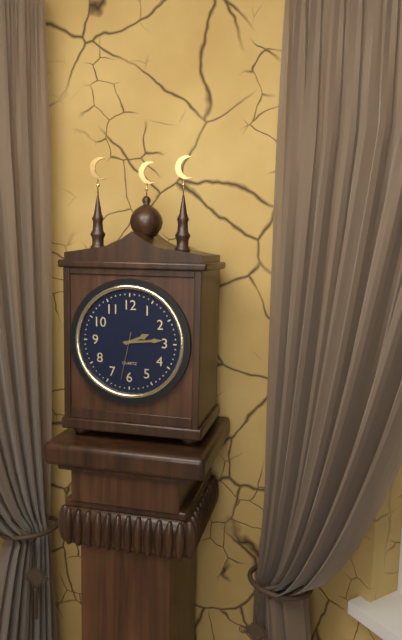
2:14
